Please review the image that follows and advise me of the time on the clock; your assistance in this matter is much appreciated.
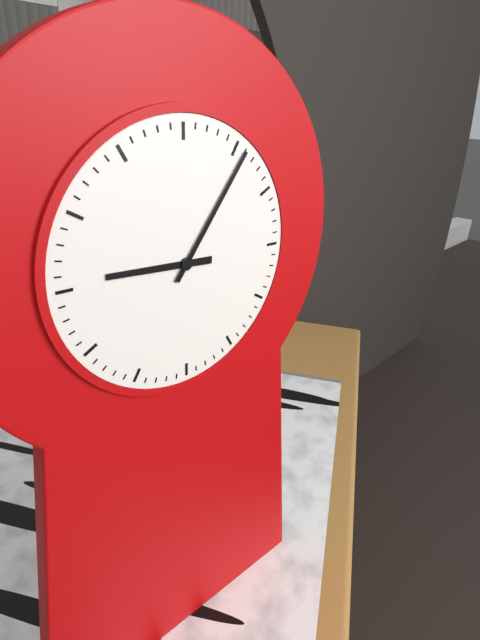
9:06
